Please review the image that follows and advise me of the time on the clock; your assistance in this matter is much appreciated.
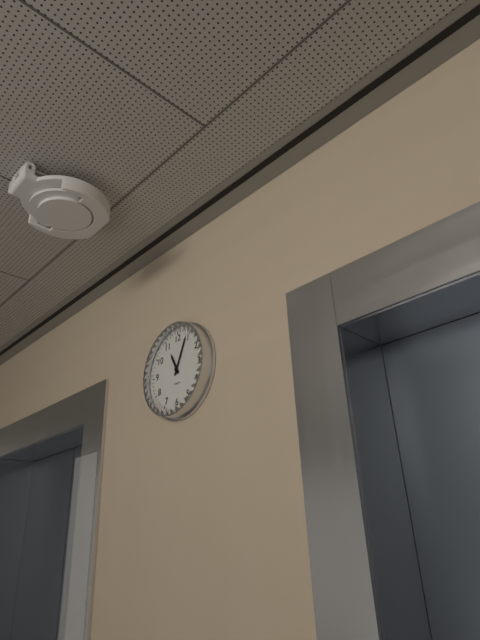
11:04
